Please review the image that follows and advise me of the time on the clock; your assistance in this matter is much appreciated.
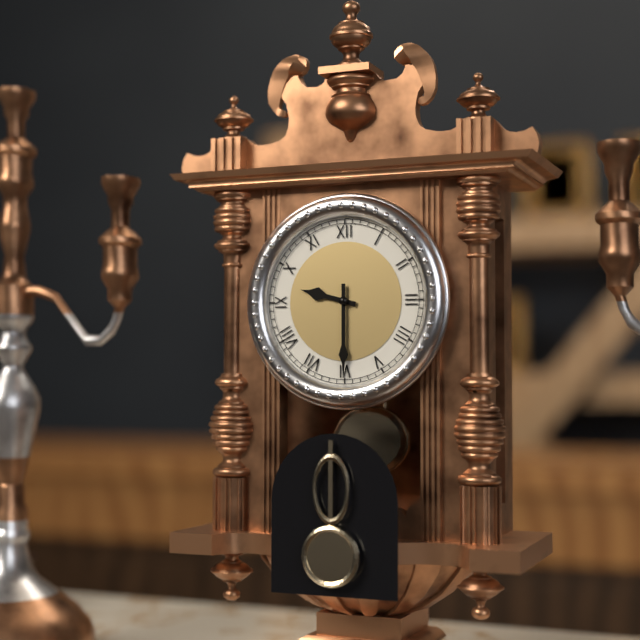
9:30
